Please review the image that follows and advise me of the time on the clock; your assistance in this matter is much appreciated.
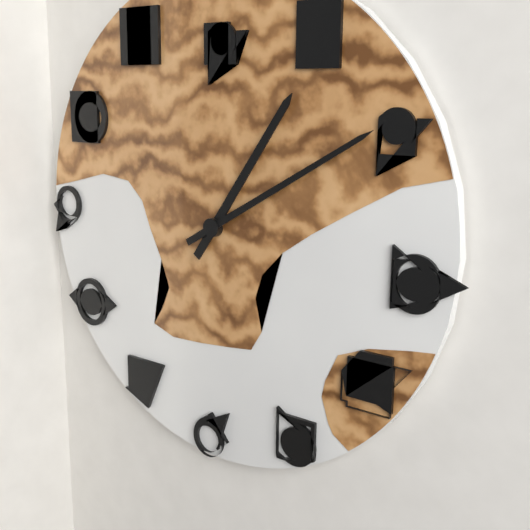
1:10
